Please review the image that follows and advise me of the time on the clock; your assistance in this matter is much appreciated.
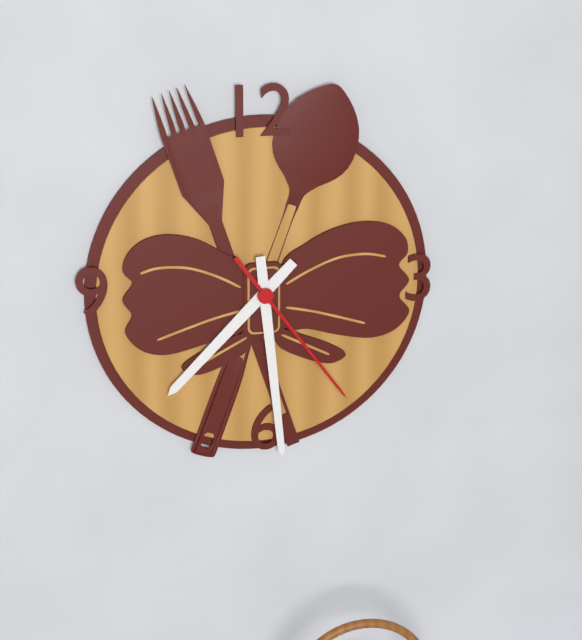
7:29:24
